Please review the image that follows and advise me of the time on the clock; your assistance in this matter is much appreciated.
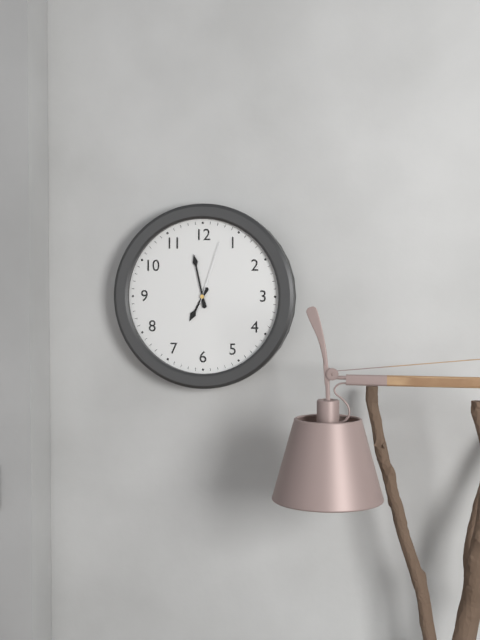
6:58:03
